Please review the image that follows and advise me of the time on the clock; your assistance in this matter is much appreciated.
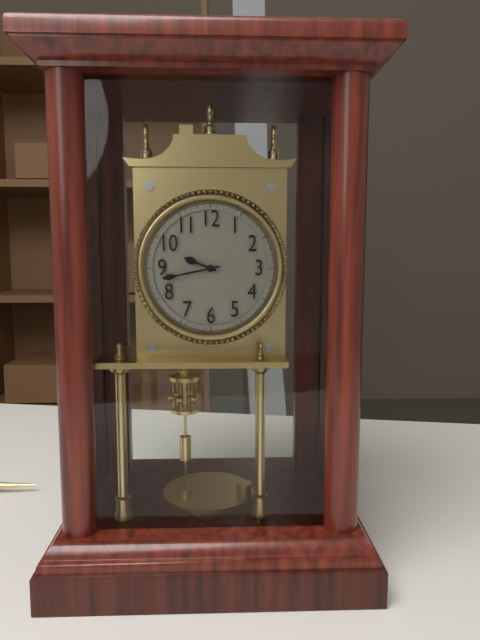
9:43
